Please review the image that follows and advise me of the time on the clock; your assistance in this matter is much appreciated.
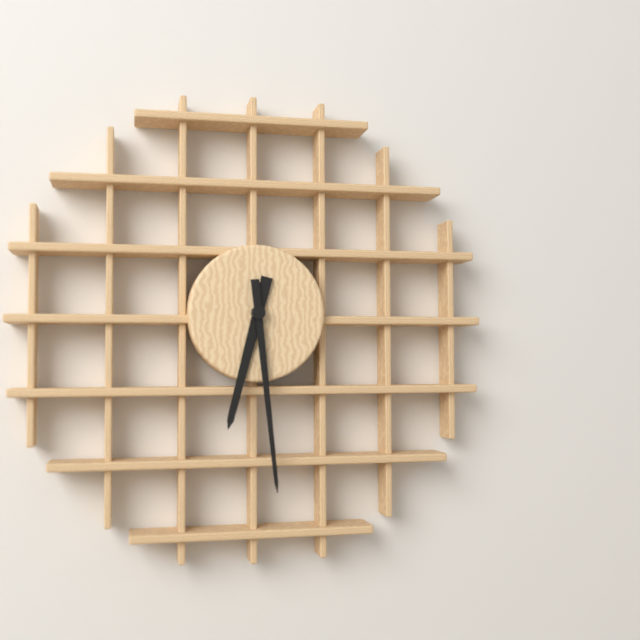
6:29
